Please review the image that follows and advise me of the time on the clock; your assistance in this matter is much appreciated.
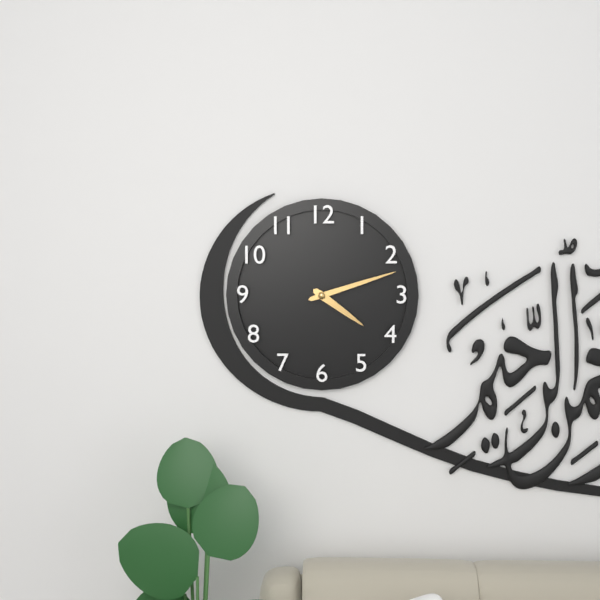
4:12
